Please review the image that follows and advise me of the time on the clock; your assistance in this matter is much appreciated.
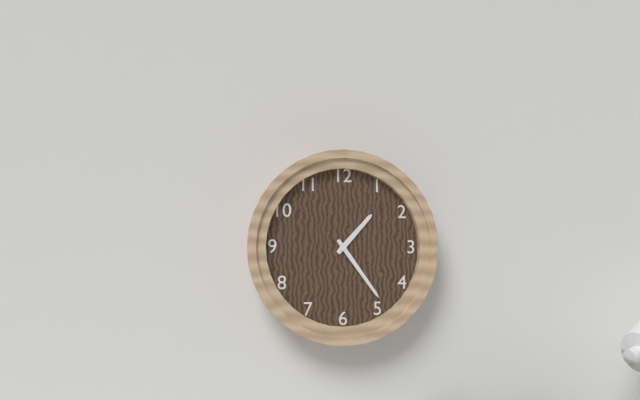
1:24
